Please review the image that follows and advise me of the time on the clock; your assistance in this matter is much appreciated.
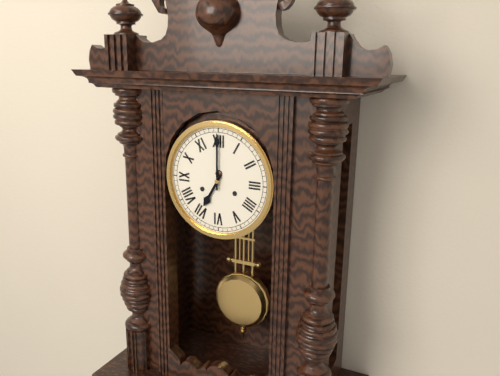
7:00
